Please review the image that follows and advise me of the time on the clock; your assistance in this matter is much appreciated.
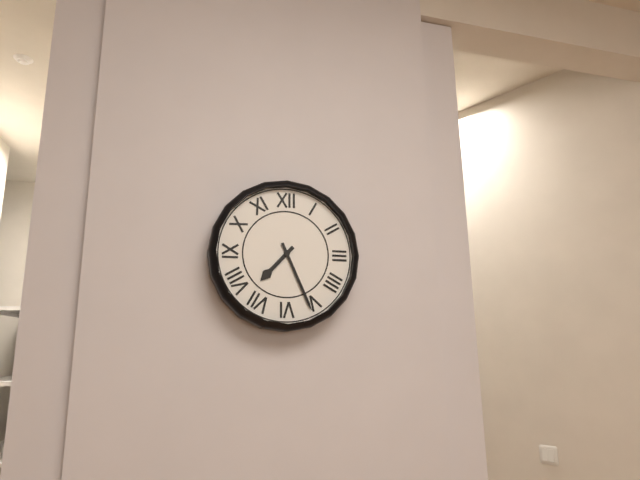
7:26
